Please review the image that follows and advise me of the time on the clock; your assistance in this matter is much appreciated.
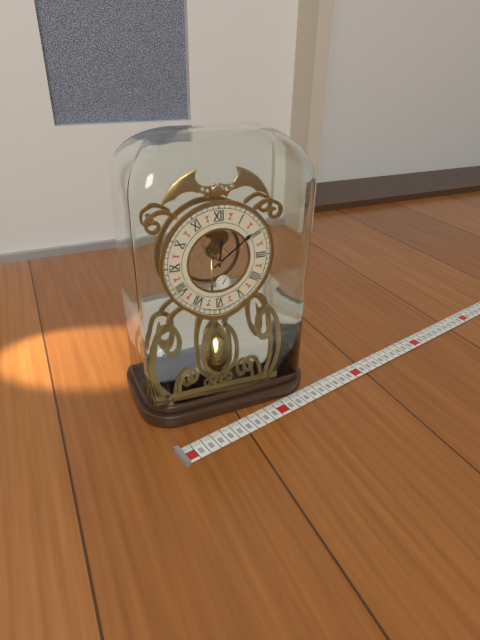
12:09
